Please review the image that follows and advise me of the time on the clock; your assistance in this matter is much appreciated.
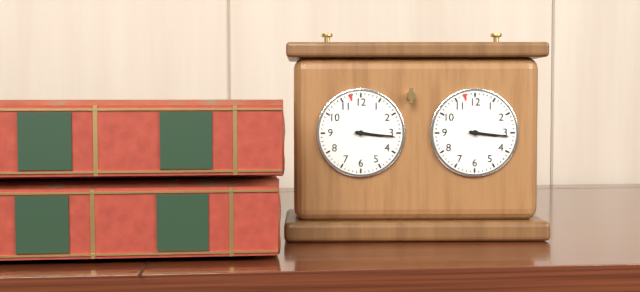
3:16
